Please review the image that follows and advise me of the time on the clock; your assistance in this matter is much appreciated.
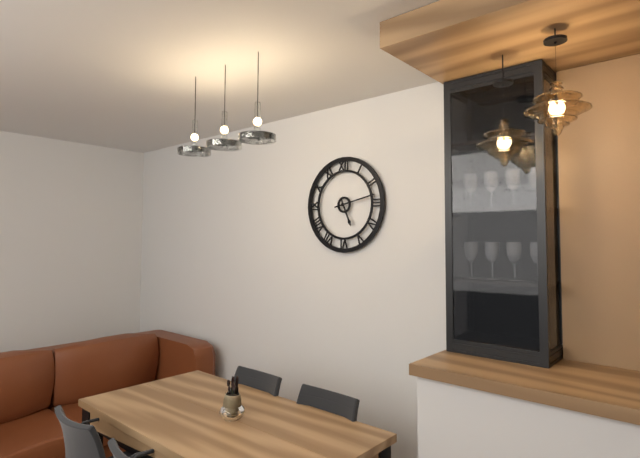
5:13
